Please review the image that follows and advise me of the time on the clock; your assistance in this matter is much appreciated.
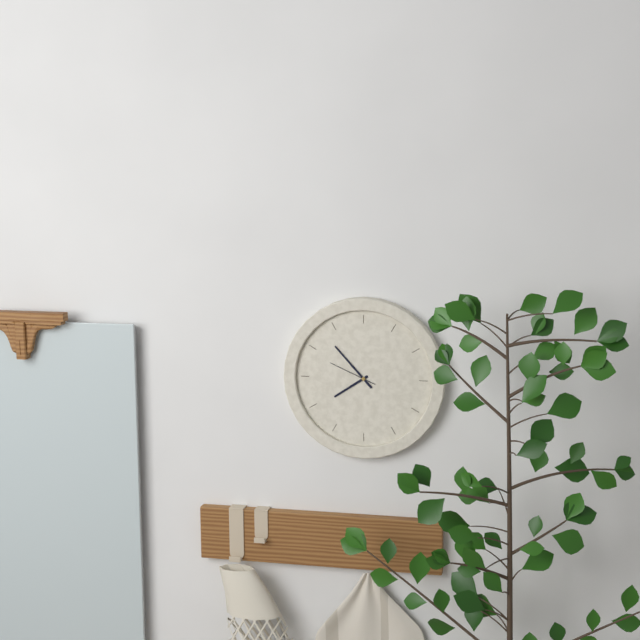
7:53
